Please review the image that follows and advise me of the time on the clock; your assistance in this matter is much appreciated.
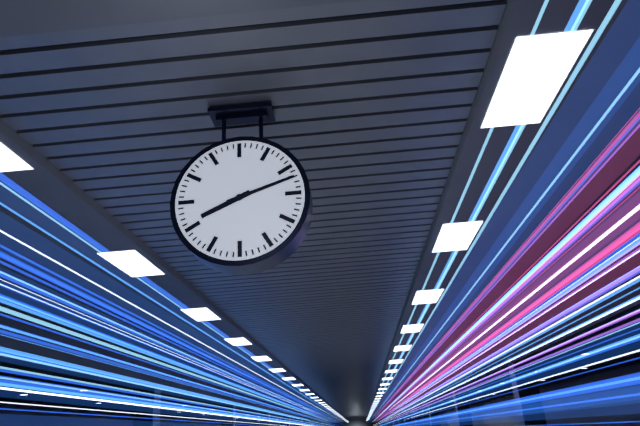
8:12
